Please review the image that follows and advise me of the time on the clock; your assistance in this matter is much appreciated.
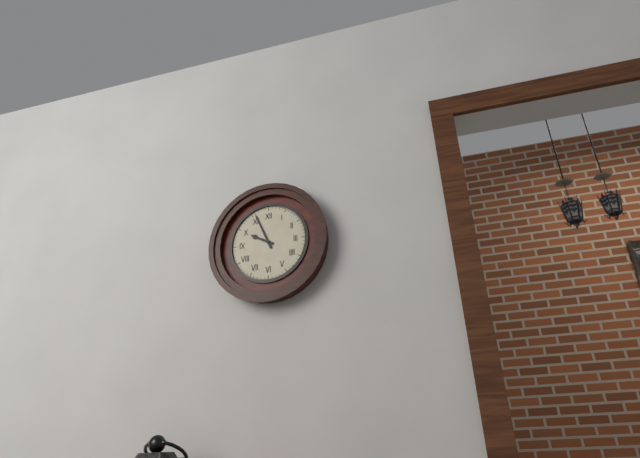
9:56
